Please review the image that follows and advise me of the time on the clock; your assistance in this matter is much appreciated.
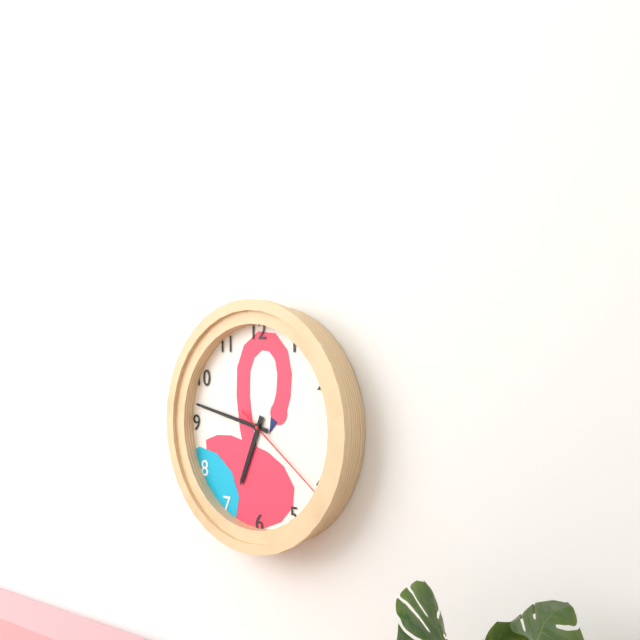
6:47:21
